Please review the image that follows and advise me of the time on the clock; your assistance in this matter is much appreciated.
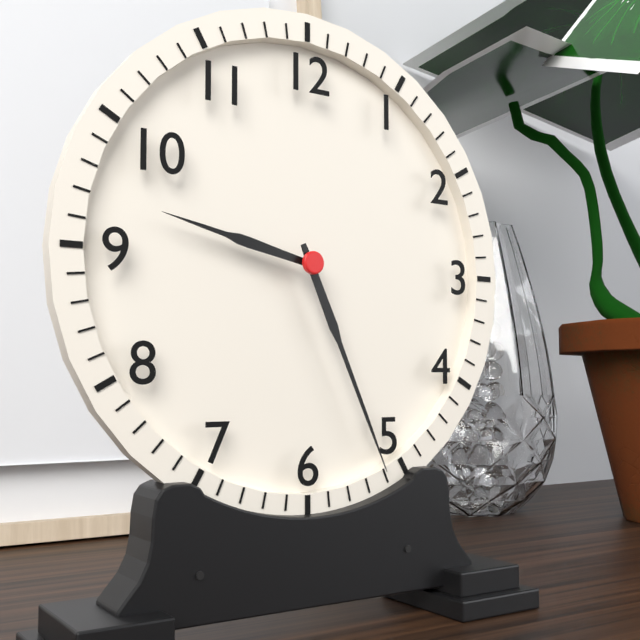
9:26
